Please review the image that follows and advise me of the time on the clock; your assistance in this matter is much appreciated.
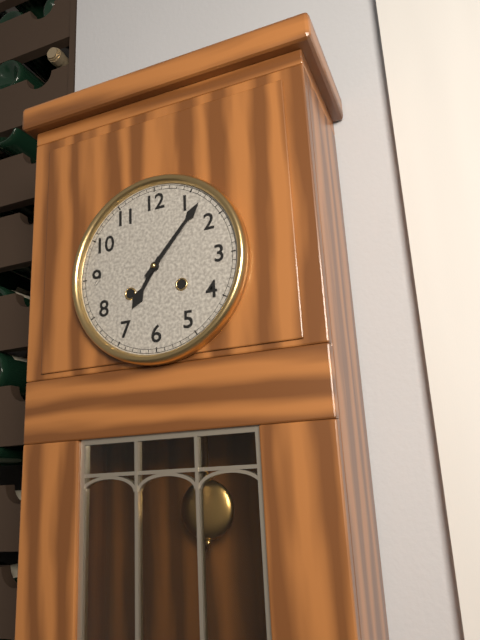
7:07
